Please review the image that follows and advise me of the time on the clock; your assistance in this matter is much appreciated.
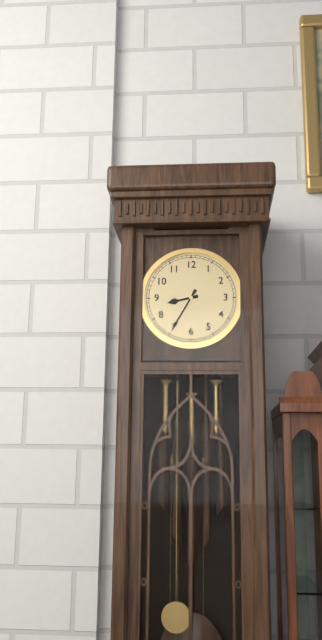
8:35
